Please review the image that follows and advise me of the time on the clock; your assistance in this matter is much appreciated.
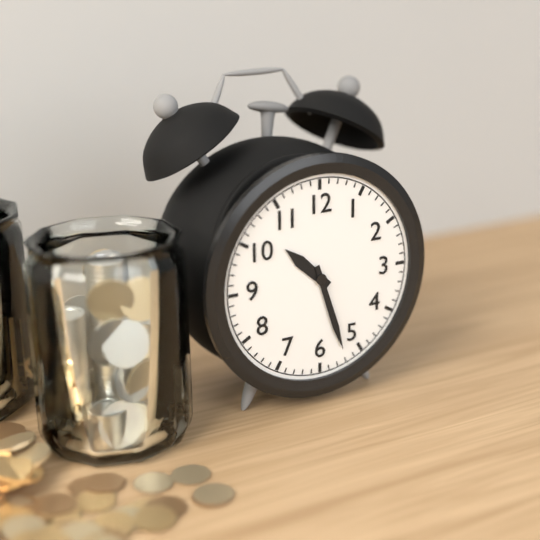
10:27
